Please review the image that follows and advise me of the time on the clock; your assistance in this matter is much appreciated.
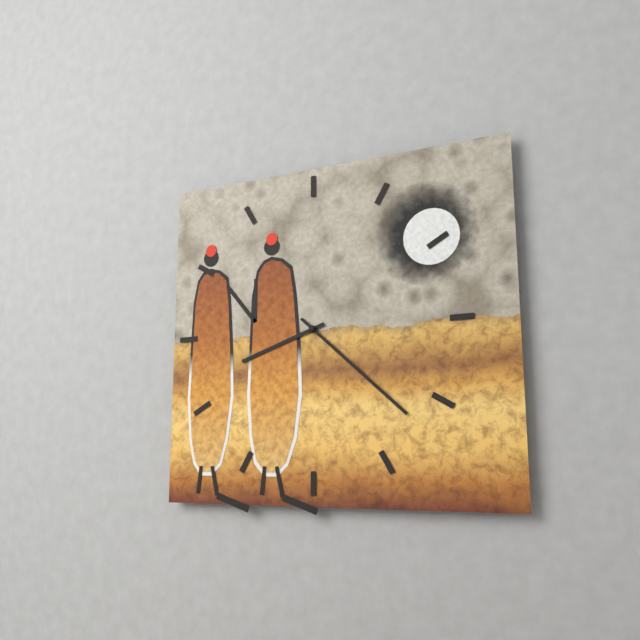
8:22
